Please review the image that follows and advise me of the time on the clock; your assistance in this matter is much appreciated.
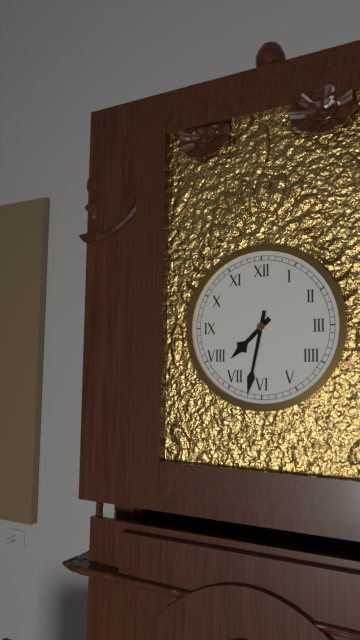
7:32
